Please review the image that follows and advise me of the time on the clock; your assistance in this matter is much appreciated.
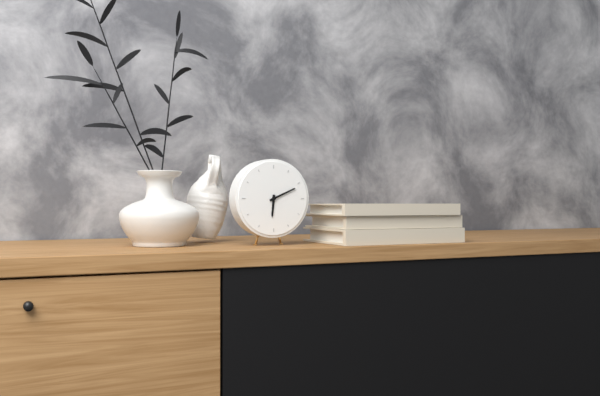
6:11
